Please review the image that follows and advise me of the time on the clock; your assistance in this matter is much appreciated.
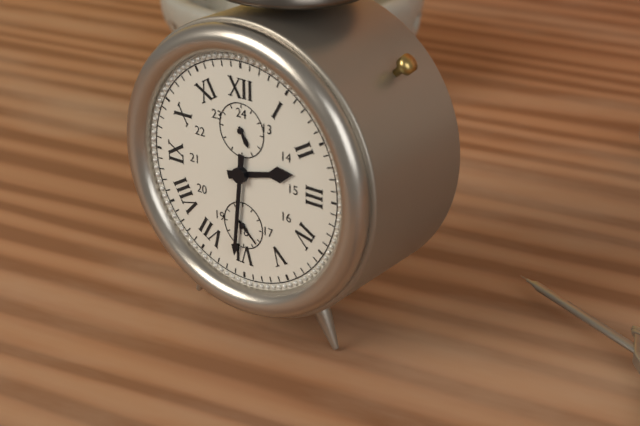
2:31:22
